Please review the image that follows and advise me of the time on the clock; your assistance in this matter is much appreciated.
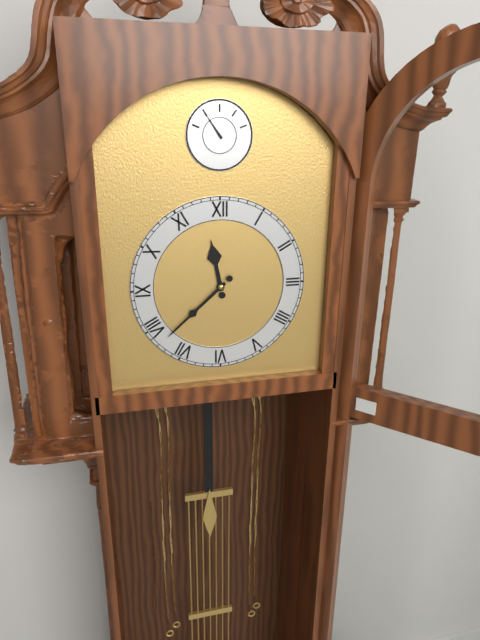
11:38
